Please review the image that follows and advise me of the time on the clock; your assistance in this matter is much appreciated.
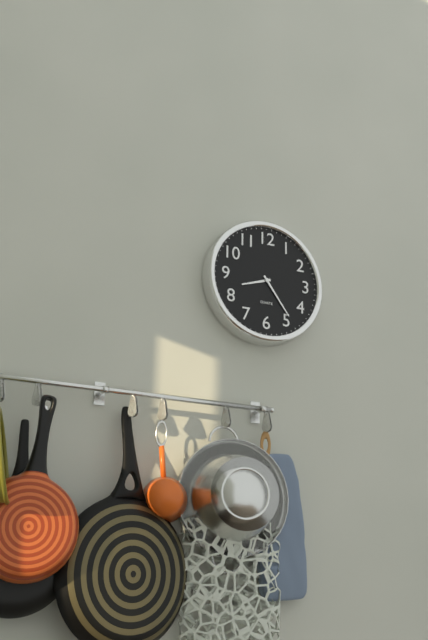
8:24
